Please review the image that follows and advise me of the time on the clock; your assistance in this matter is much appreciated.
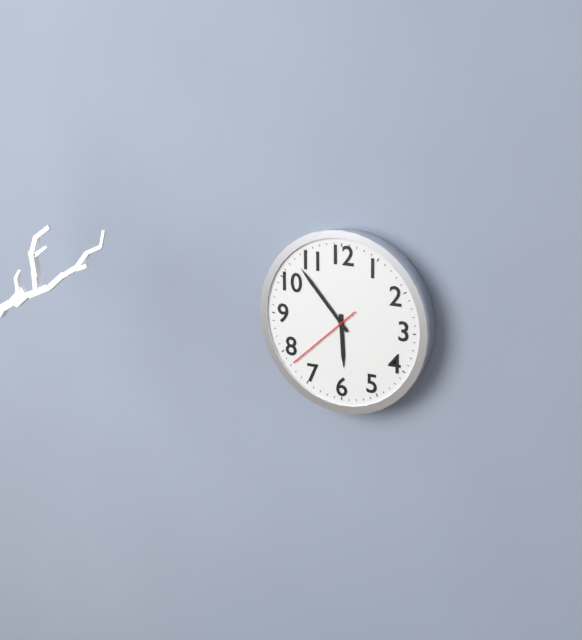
5:53:38
